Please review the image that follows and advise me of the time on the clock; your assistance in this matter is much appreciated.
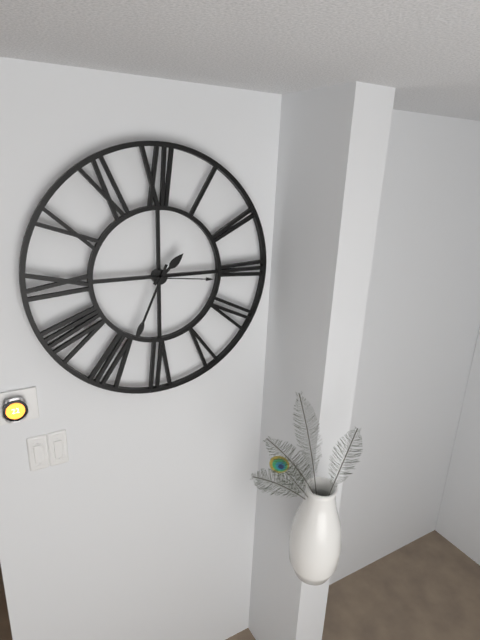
1:34:16
